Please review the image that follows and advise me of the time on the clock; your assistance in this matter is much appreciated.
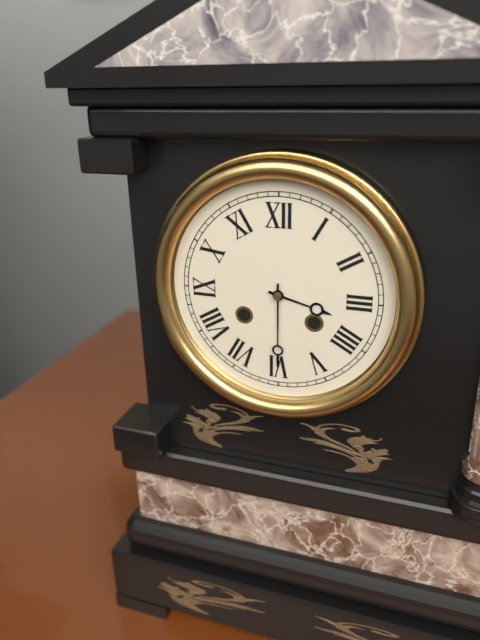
3:30
